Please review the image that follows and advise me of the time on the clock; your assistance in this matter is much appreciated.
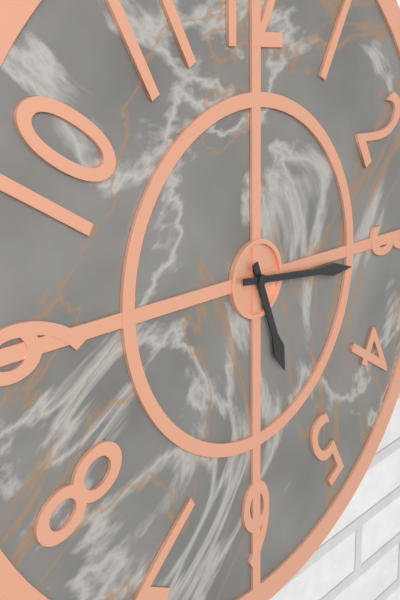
5:16
